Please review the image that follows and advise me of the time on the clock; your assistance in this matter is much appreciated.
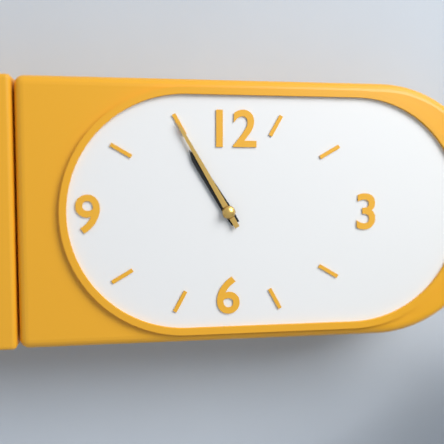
10:55
